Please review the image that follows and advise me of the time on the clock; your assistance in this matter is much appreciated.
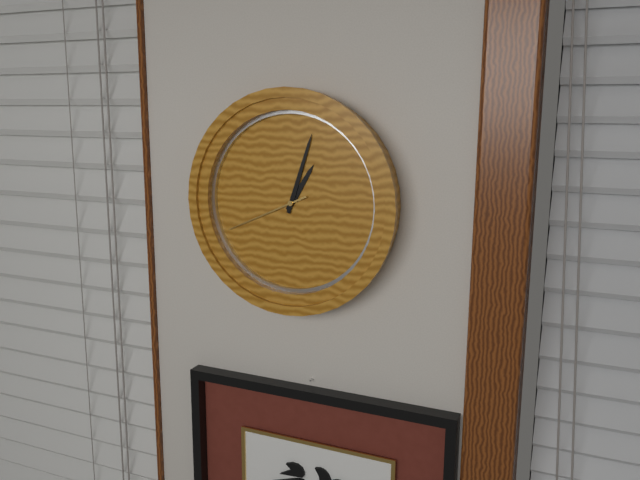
1:03:41
